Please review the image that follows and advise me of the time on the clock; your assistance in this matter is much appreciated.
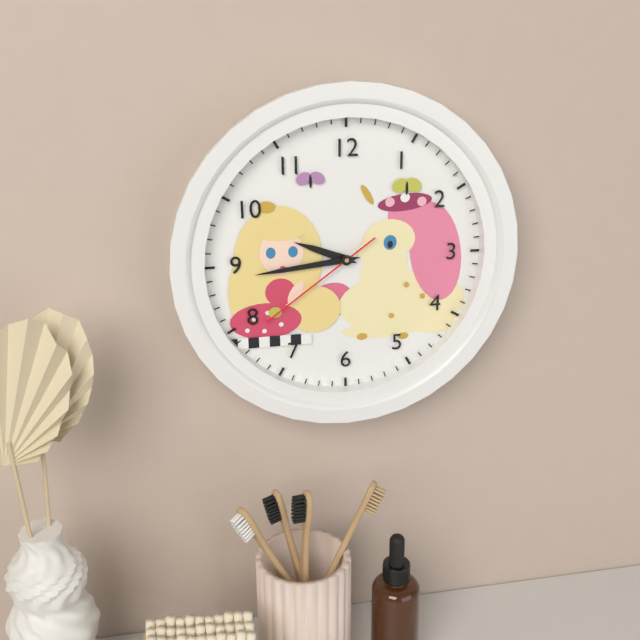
9:44:39
